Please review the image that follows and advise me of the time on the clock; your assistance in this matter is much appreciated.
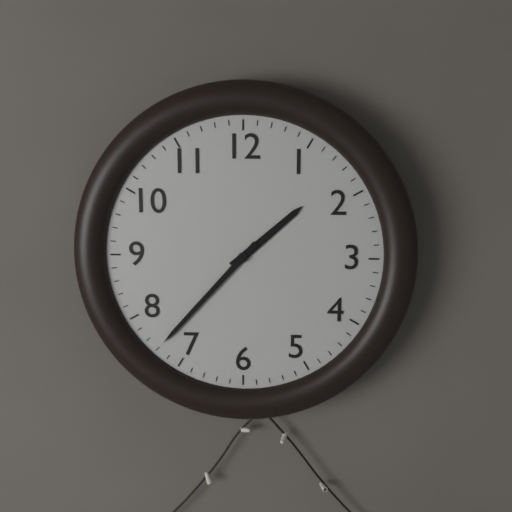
1:37
